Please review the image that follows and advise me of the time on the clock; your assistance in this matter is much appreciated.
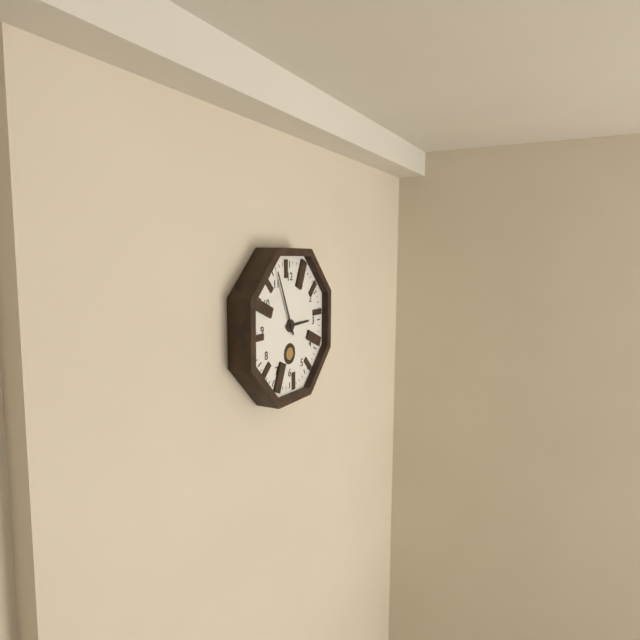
2:56
